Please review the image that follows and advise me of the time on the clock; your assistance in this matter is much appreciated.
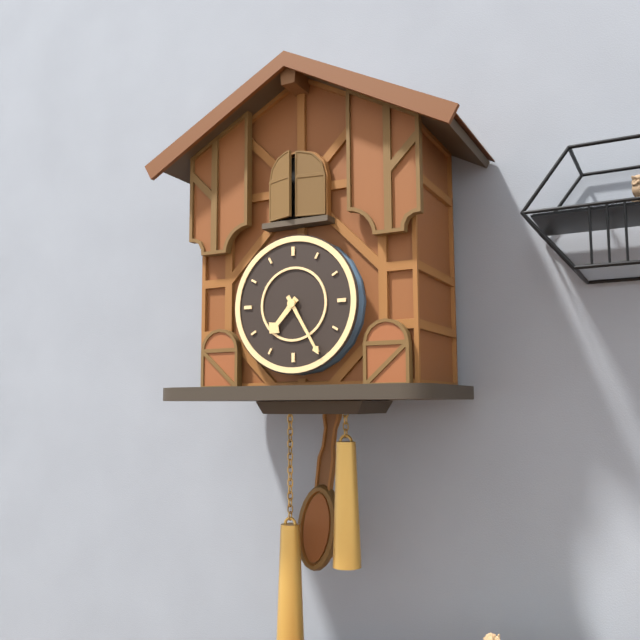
7:25
